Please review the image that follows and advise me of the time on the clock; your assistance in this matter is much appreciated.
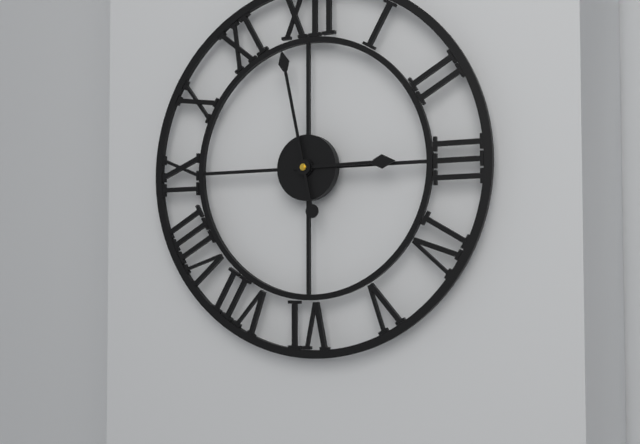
2:58
